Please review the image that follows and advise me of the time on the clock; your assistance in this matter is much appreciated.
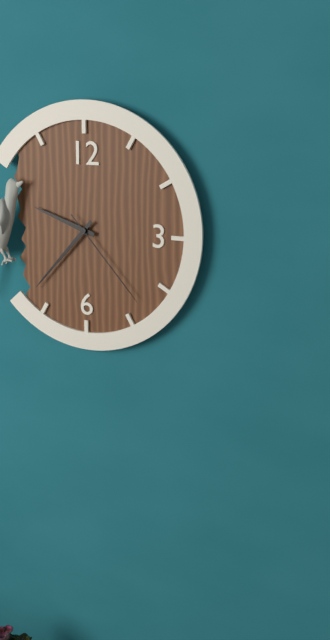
9:37:23
